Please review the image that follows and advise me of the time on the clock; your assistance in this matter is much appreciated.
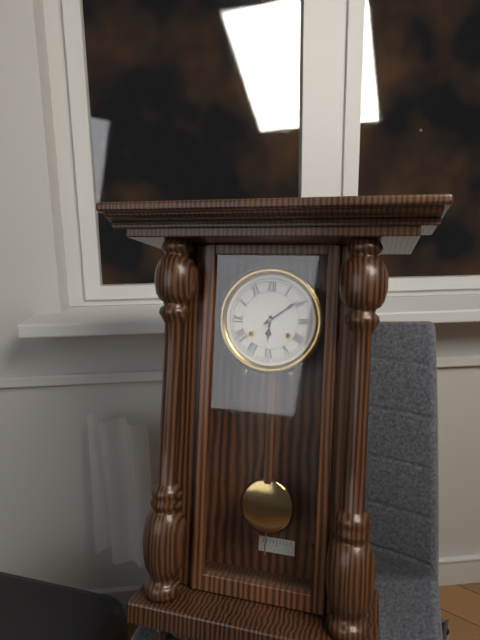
6:09
